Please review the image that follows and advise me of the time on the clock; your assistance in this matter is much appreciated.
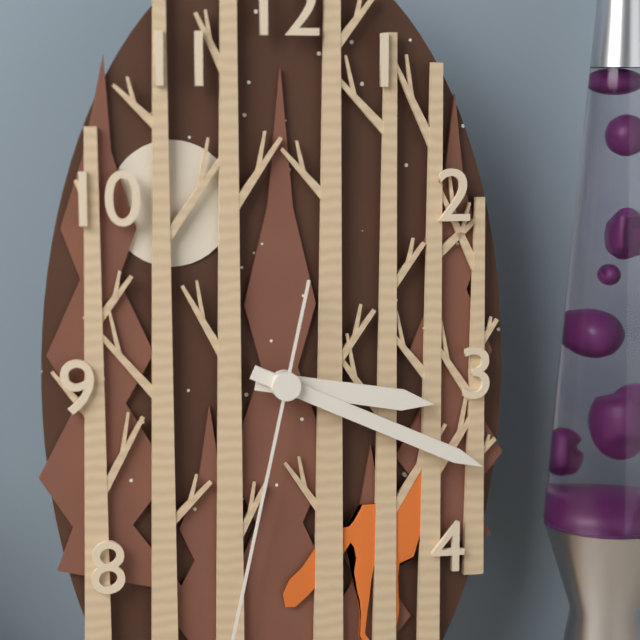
3:19
